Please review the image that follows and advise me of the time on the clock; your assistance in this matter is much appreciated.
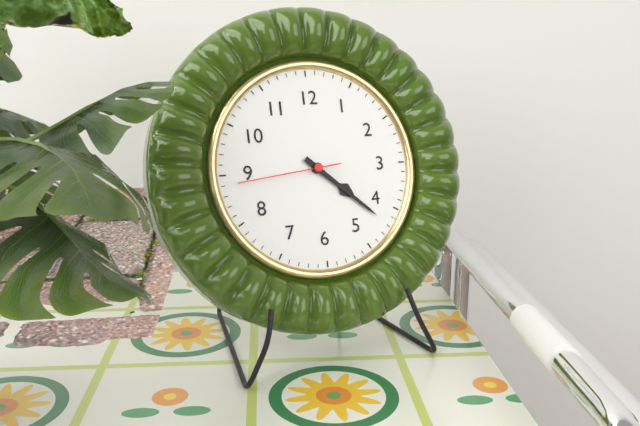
4:22:44
